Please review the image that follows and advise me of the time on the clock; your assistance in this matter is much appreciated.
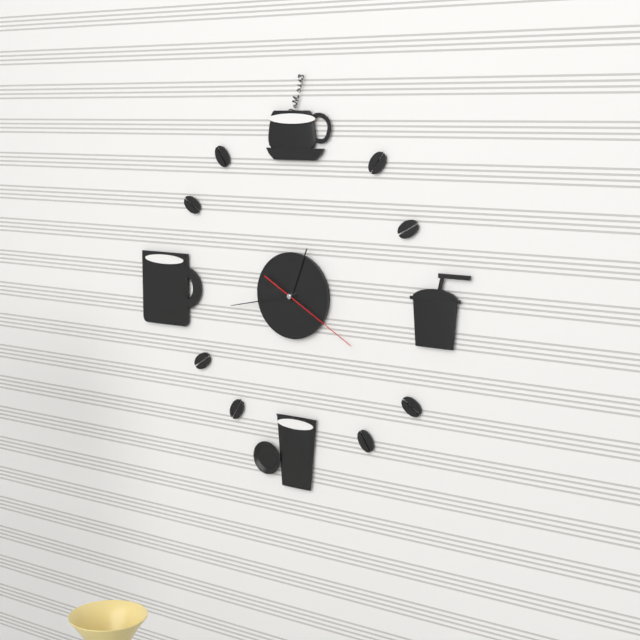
12:43:20
